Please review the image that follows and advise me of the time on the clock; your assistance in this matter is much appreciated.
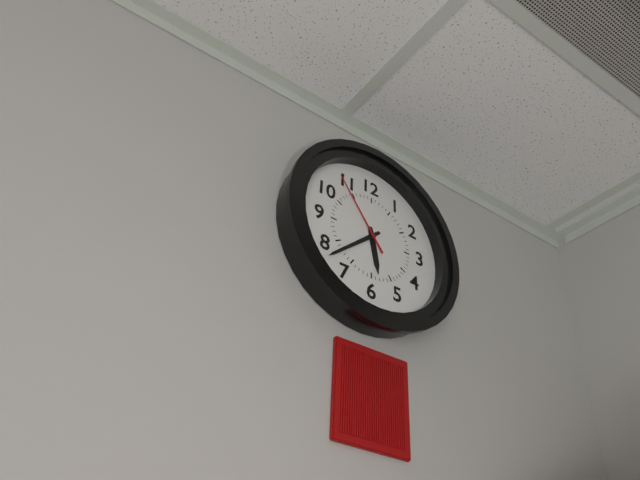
5:38:54
